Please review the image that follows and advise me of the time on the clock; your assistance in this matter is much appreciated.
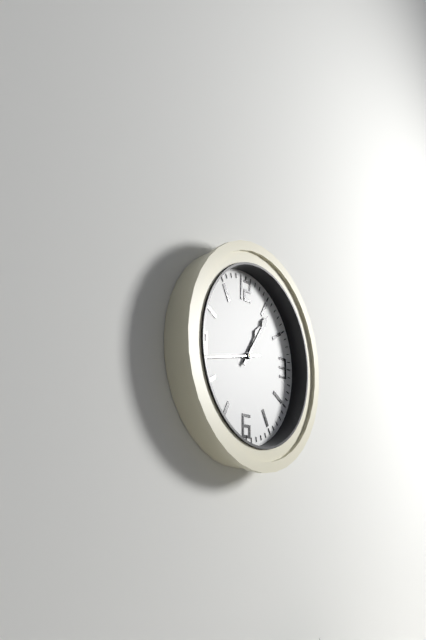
1:06:43
